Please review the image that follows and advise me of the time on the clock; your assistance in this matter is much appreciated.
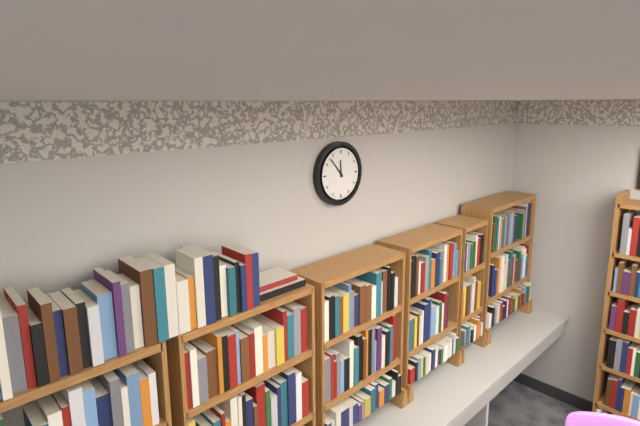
11:53
